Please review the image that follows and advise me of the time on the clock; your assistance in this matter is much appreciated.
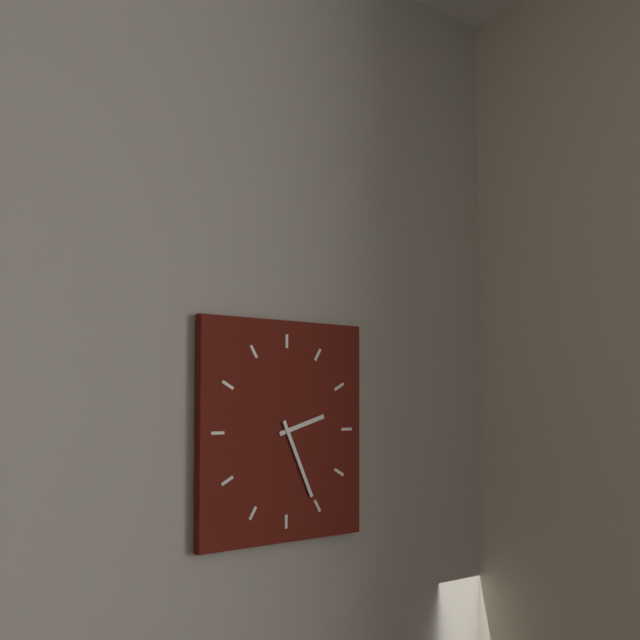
2:26
